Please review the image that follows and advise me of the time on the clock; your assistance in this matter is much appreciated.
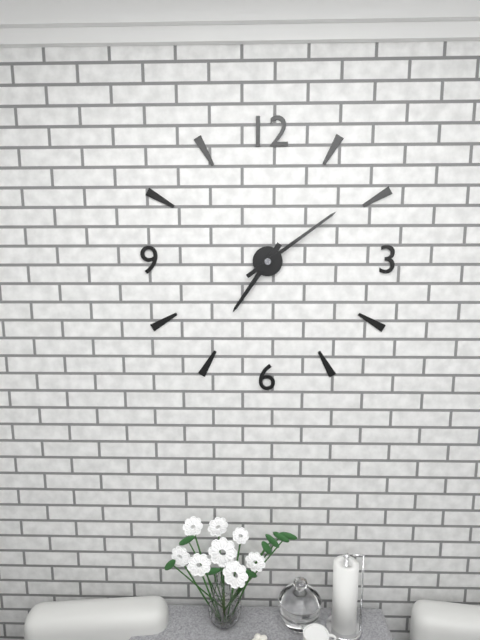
7:09
